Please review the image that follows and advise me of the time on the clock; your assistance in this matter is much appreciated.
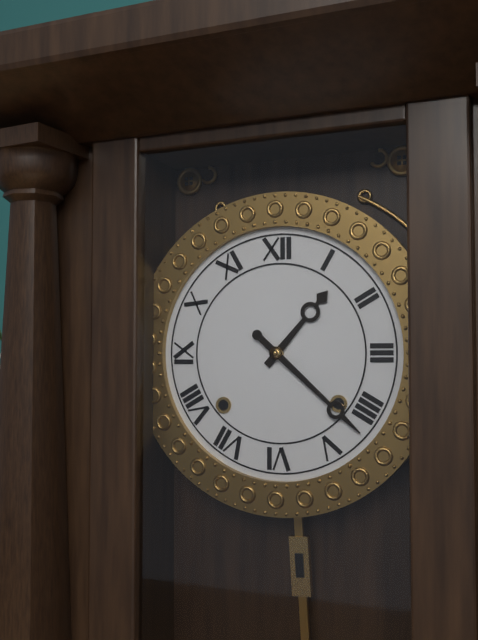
1:22
